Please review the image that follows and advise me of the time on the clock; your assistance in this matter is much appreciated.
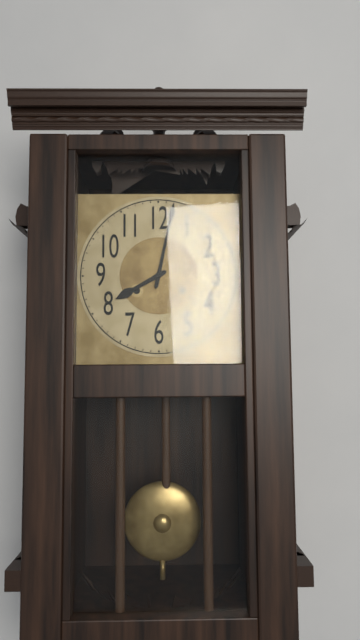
8:02
